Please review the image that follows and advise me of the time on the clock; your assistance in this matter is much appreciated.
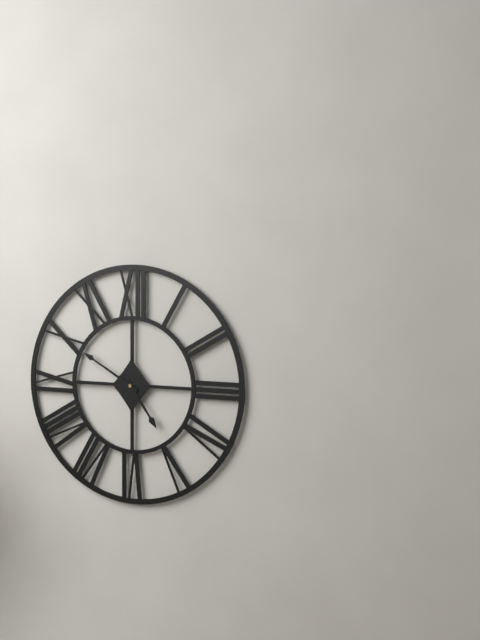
4:50
